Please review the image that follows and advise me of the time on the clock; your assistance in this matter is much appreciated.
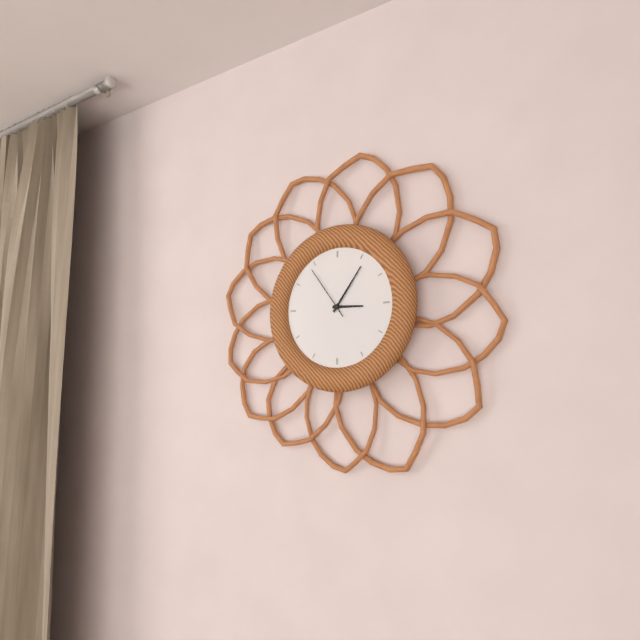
3:06:54
